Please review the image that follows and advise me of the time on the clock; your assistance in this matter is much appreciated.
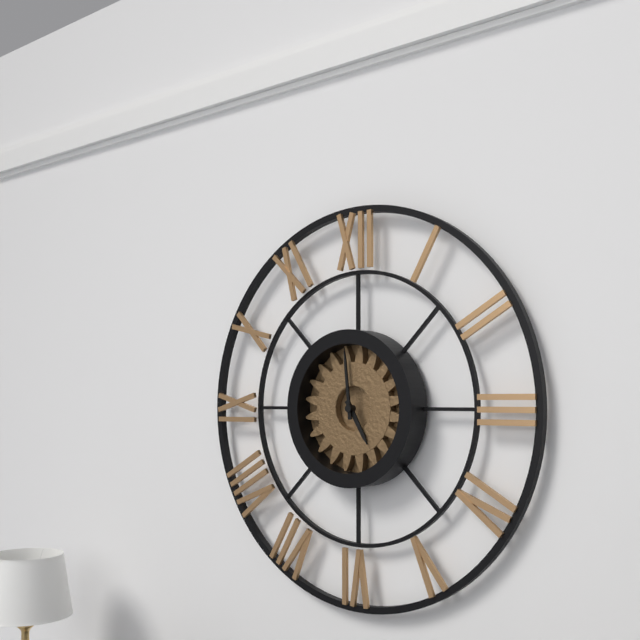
4:59
